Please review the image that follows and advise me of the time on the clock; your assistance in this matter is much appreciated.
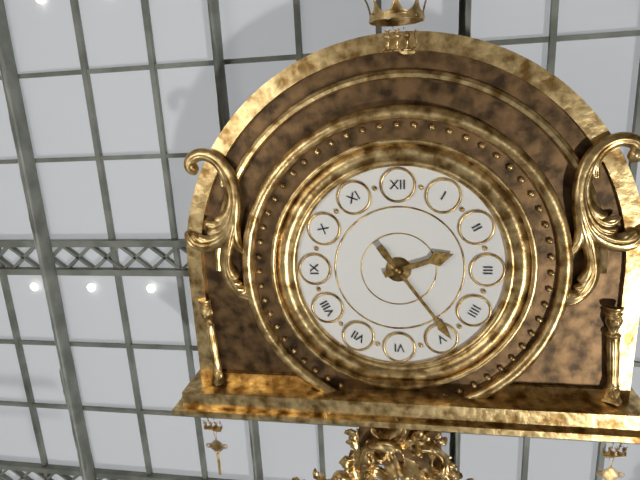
2:24
